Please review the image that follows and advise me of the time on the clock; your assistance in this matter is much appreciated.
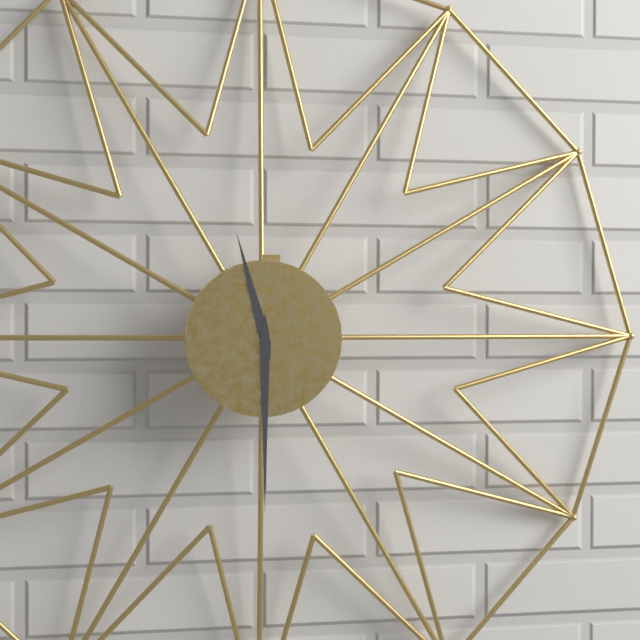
11:30
